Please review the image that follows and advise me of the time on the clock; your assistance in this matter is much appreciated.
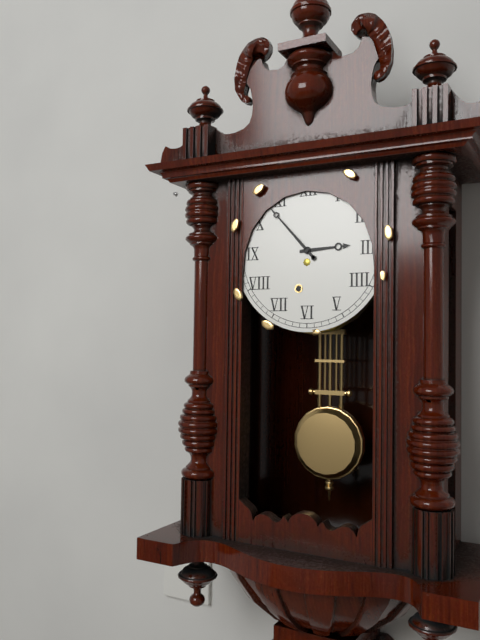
2:53
